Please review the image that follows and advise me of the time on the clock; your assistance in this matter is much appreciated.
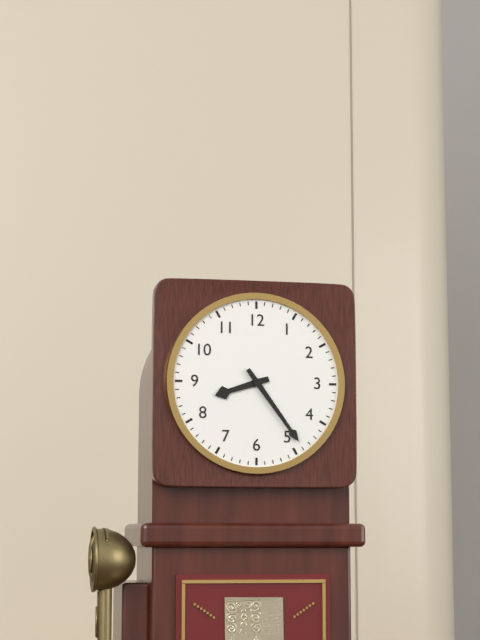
8:24
